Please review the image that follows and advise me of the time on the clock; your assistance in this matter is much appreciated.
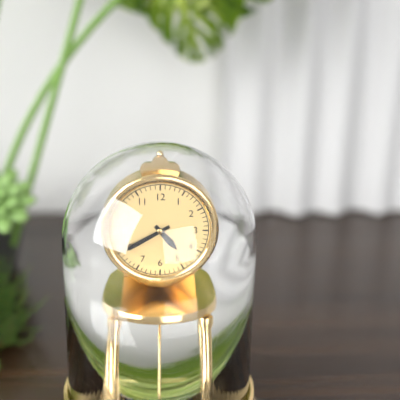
4:40
